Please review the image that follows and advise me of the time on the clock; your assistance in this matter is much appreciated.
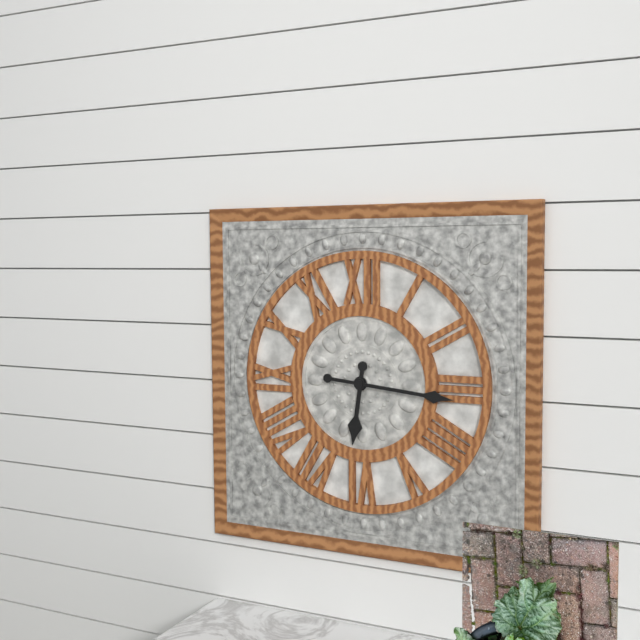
6:16
